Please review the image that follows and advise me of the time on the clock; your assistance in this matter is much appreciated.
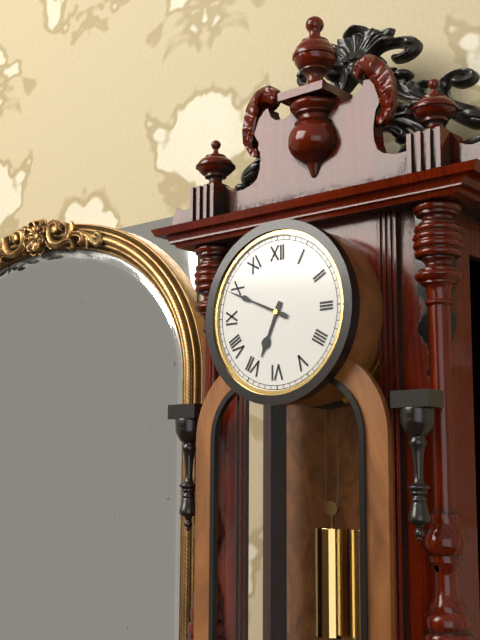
6:49
